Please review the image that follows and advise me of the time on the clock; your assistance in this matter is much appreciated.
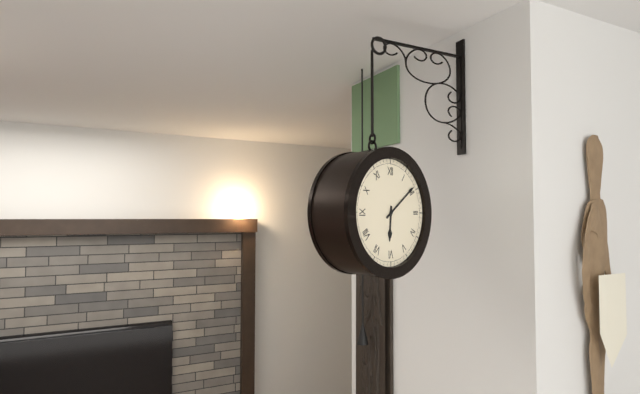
6:09
